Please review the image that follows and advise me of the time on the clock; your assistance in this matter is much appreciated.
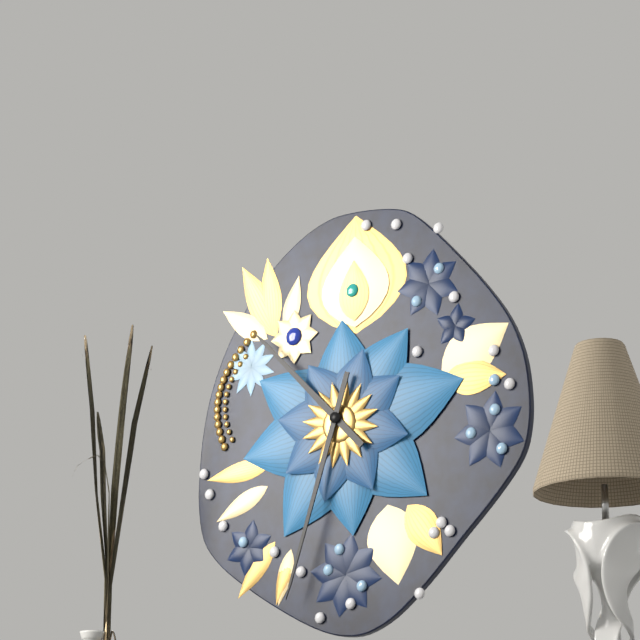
10:33
